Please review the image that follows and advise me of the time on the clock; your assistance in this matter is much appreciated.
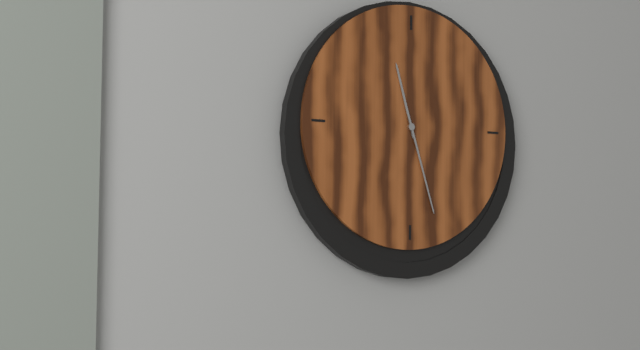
11:27
